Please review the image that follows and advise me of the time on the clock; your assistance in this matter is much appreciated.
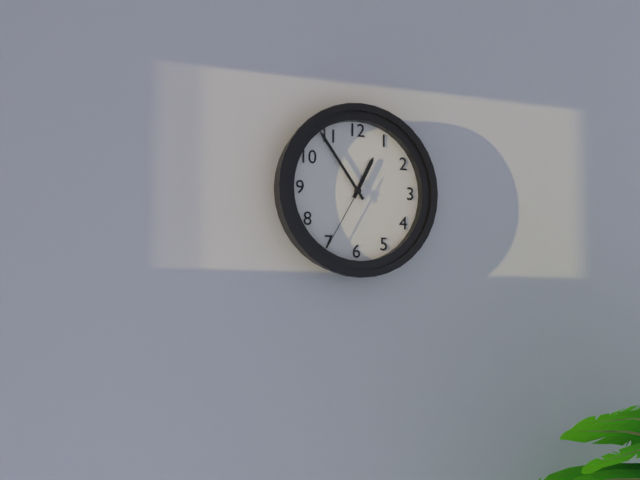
12:54:35
